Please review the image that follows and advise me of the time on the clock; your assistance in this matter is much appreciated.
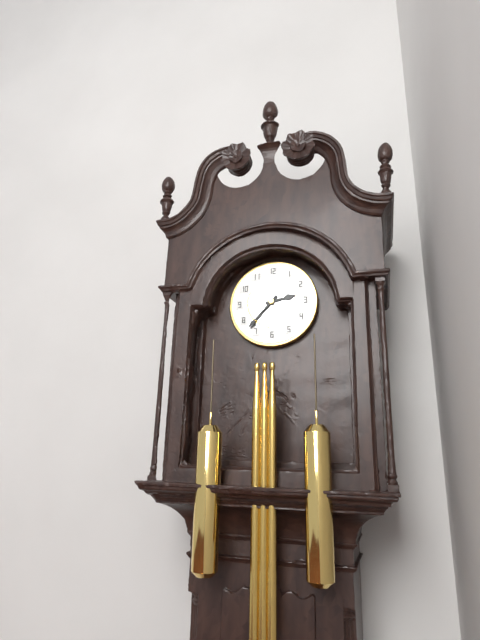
2:37
